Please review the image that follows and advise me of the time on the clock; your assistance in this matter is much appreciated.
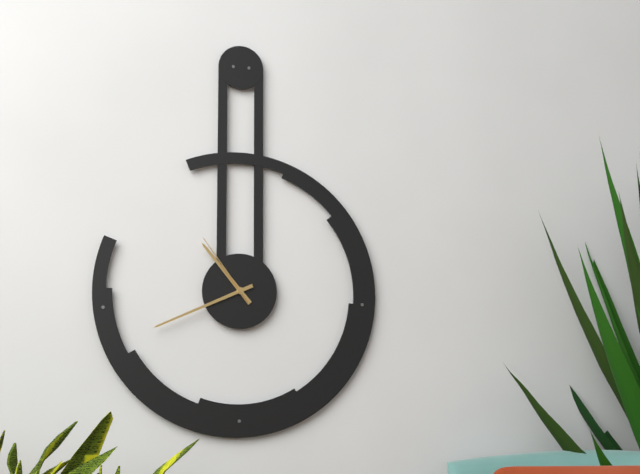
10:41:54
